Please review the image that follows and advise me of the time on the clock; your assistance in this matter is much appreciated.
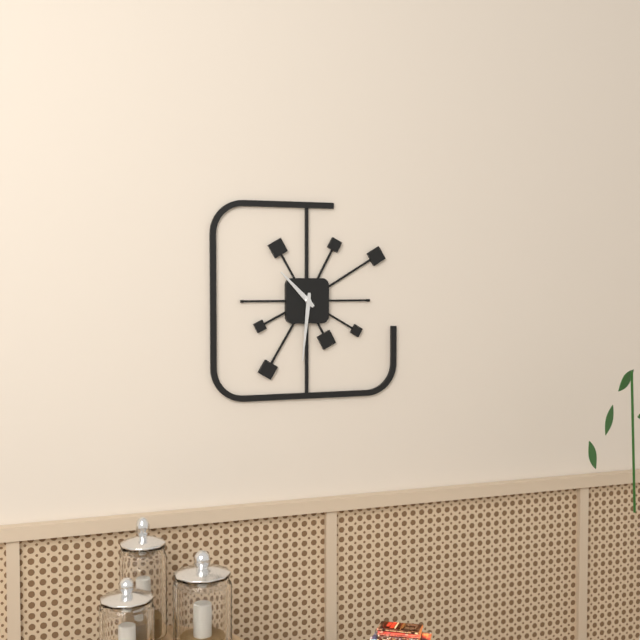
10:31
